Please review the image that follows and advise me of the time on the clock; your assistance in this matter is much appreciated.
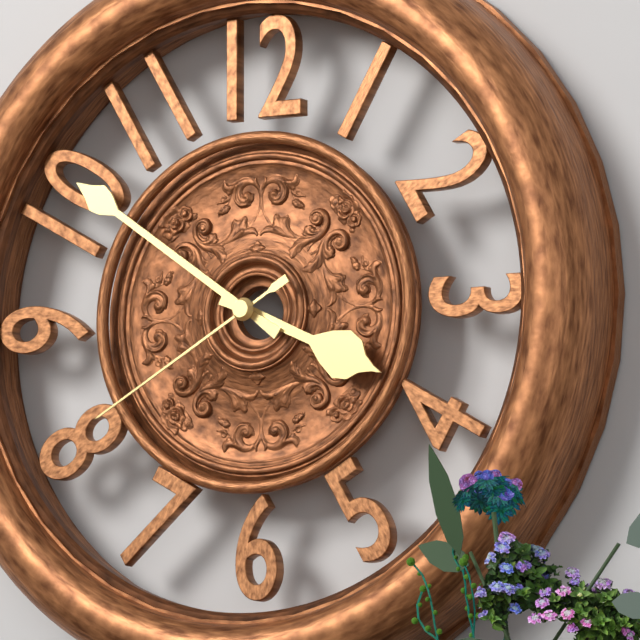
3:51:40
